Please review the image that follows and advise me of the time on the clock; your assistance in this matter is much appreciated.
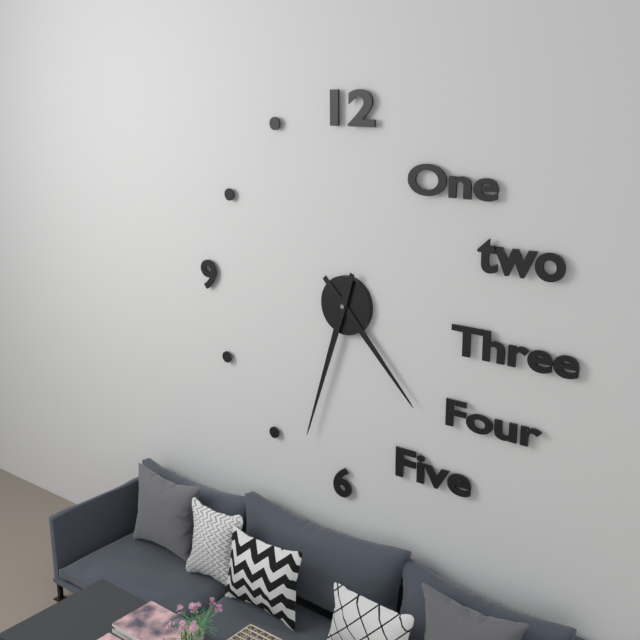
4:33
